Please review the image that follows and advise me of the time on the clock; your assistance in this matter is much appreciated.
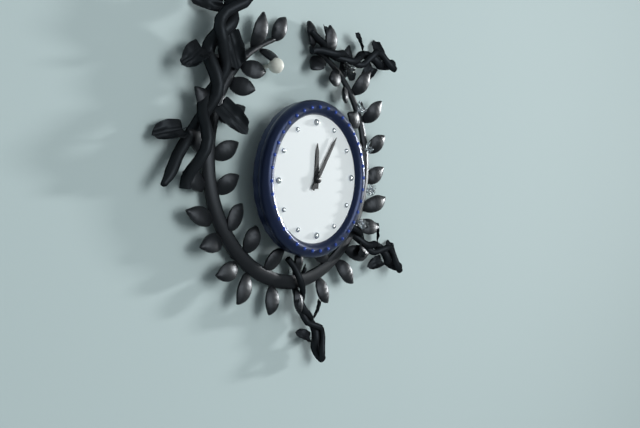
12:06
